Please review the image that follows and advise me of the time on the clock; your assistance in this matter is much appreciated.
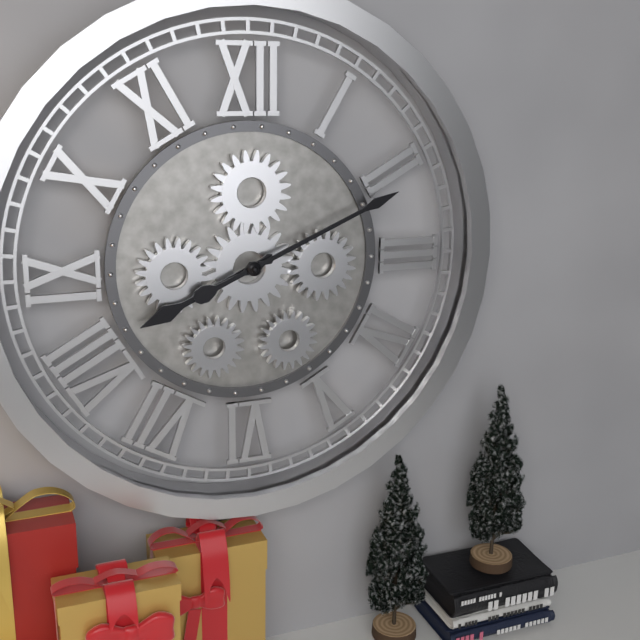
8:11
